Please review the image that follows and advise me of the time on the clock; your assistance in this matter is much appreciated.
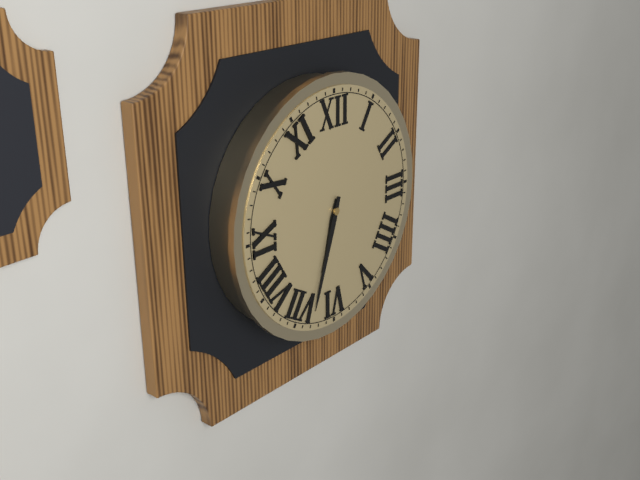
6:33
